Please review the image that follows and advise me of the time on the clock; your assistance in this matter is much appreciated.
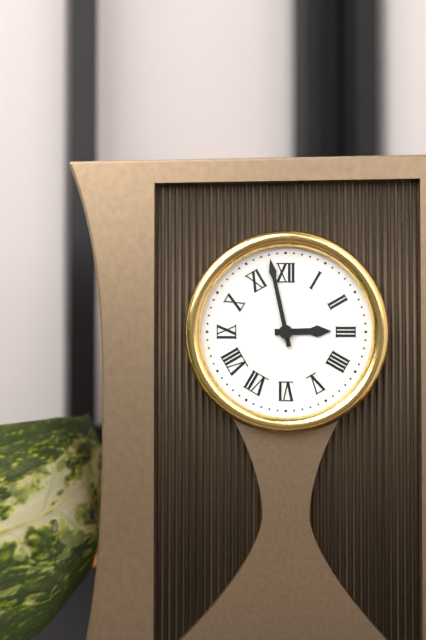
2:58
